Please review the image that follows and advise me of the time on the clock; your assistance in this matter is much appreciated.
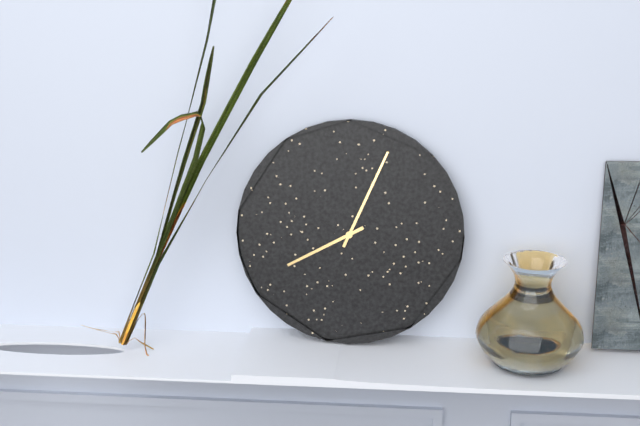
8:04
